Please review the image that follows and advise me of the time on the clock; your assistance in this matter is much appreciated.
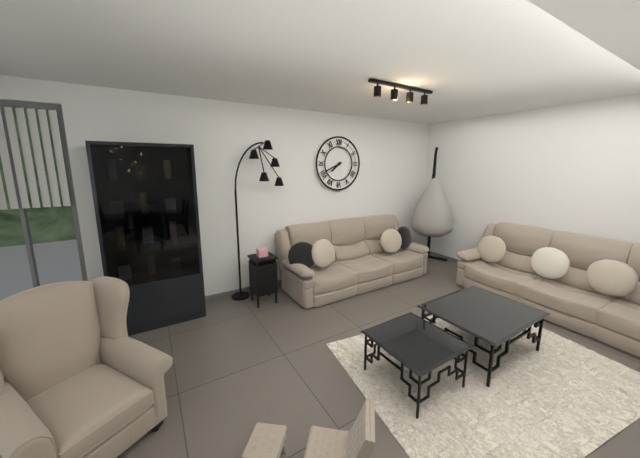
7:41
